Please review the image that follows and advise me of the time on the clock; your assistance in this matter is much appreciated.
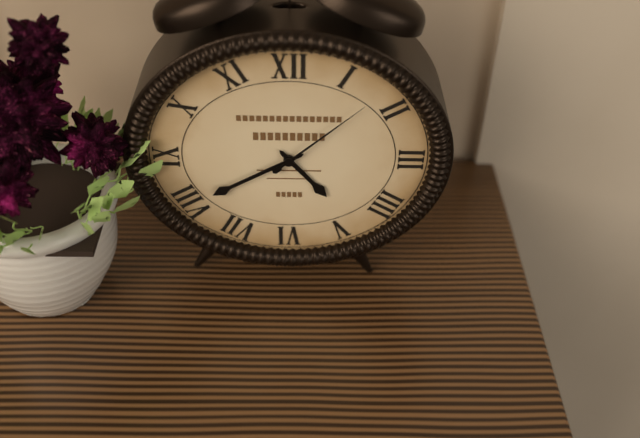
4:40:08
